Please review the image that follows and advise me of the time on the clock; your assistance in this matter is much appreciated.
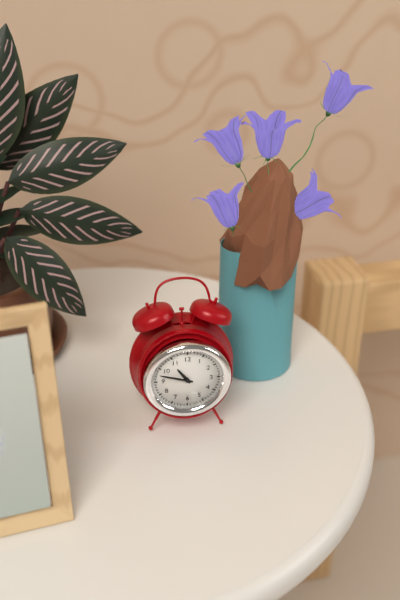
10:48
